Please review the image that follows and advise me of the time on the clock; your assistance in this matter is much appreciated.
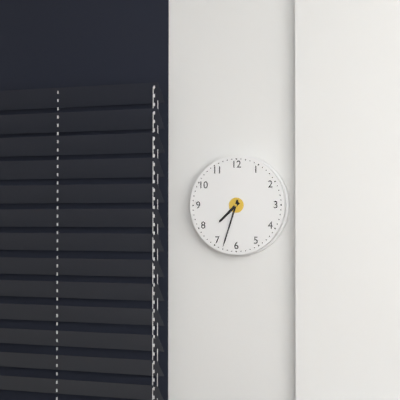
7:33
